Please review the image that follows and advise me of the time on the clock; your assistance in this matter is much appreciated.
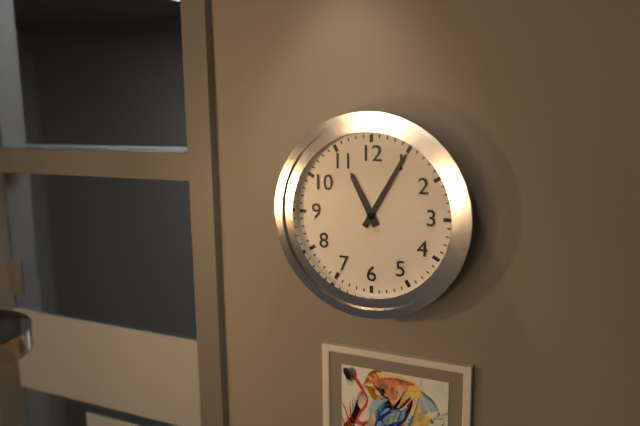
11:05
